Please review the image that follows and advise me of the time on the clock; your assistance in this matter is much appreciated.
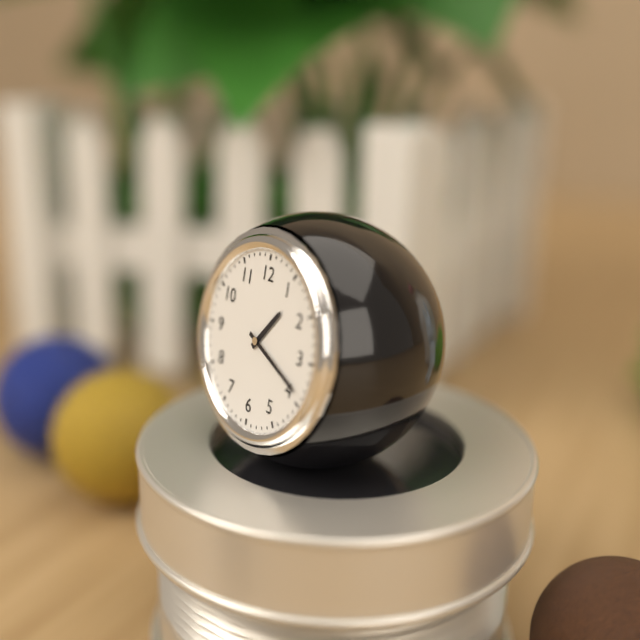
1:19
